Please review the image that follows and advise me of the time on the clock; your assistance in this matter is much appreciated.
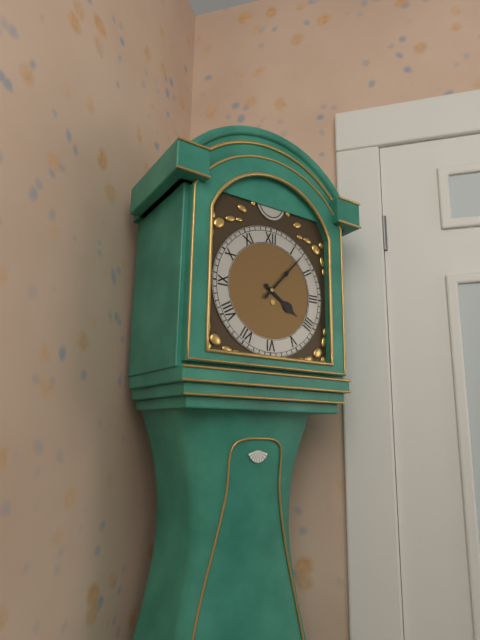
4:07
